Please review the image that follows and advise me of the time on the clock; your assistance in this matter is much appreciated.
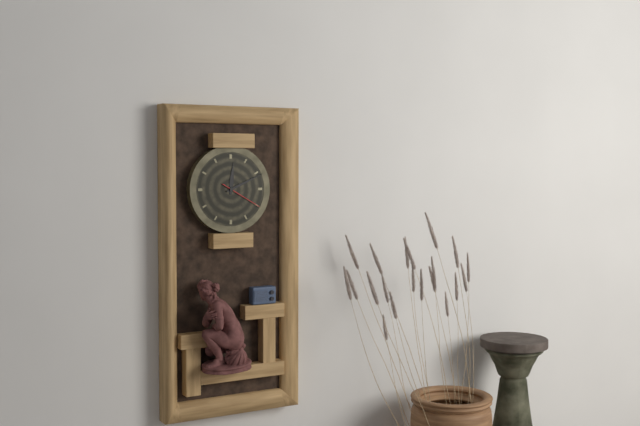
12:11
